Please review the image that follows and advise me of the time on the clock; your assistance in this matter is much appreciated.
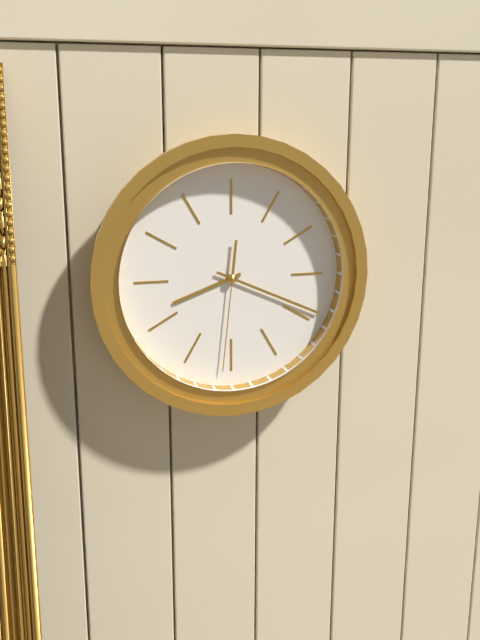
8:19:31
